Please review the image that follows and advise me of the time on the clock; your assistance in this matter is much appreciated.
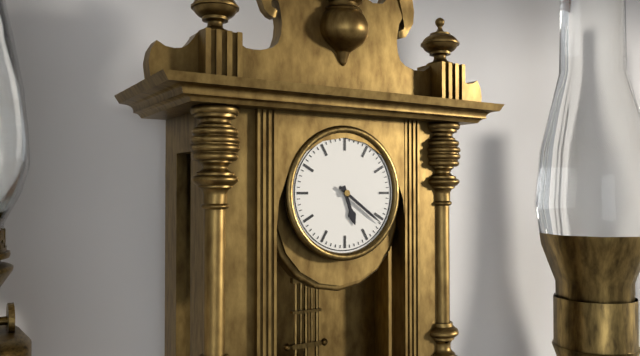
5:21
